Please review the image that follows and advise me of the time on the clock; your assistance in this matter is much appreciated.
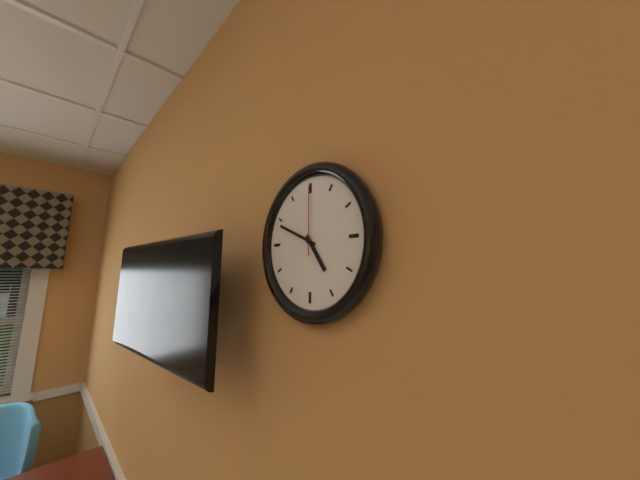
4:49:00
